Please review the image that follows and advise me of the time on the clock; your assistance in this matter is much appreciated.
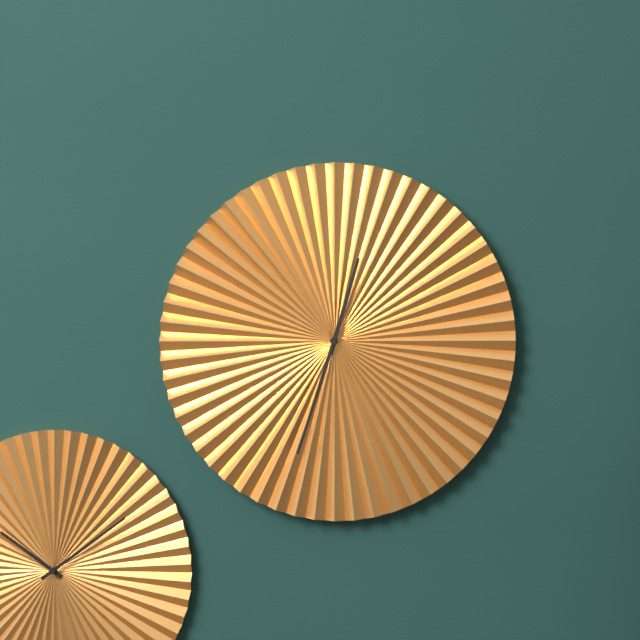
12:33
